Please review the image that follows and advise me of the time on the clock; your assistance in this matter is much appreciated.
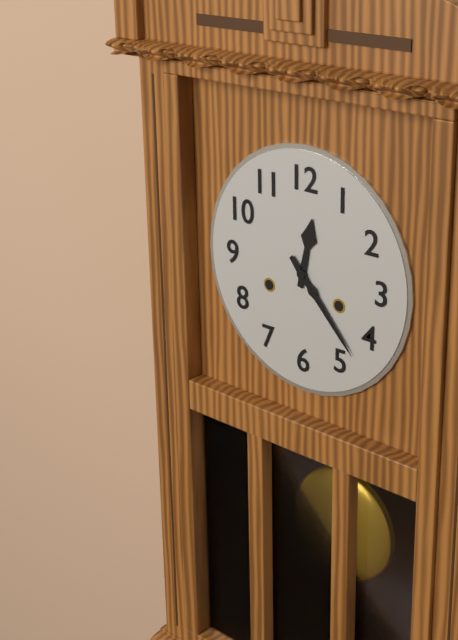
12:23
